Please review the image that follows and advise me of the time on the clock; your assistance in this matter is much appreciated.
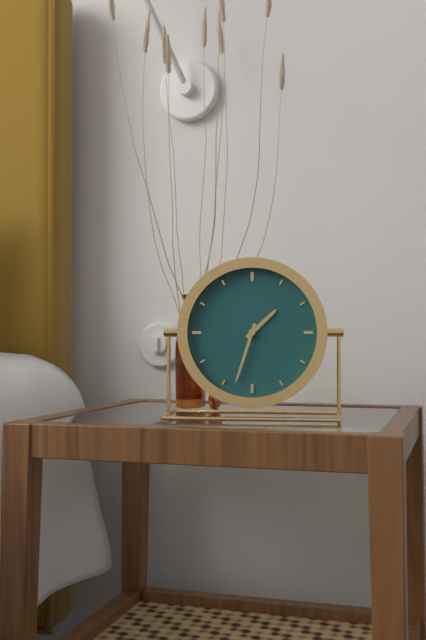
1:33
